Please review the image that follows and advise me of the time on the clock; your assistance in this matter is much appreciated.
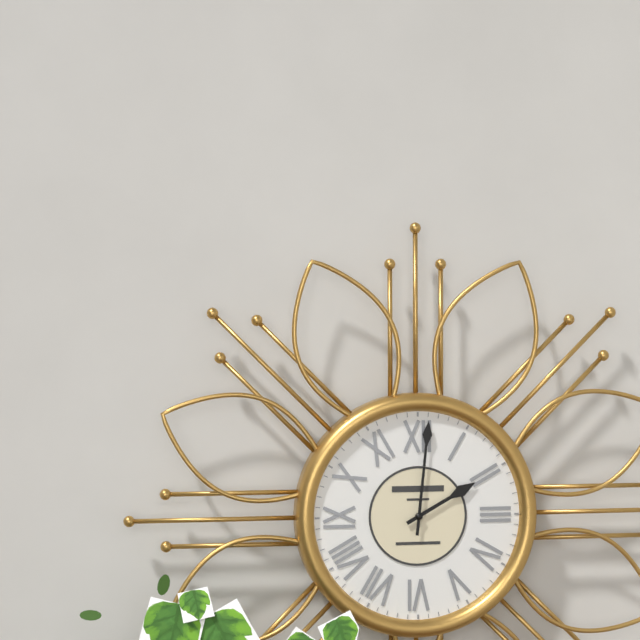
2:01
